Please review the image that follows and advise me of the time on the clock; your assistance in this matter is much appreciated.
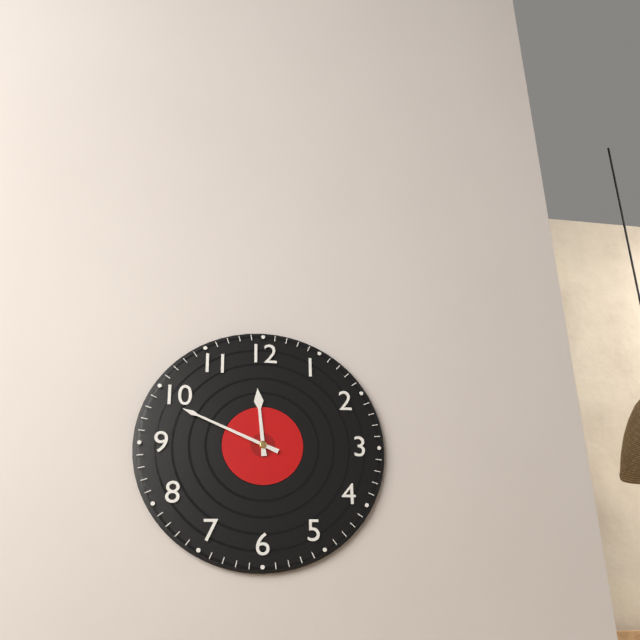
11:49
